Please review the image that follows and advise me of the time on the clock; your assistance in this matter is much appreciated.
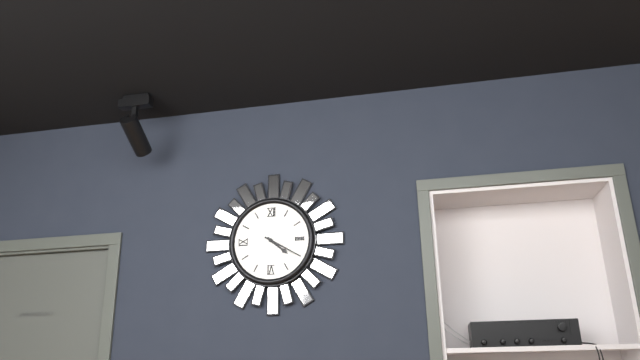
4:20
